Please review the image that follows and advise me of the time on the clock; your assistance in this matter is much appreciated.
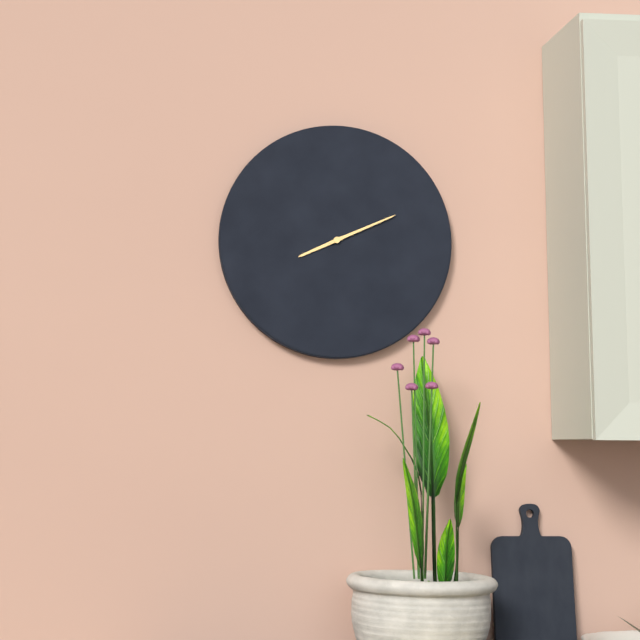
8:11
